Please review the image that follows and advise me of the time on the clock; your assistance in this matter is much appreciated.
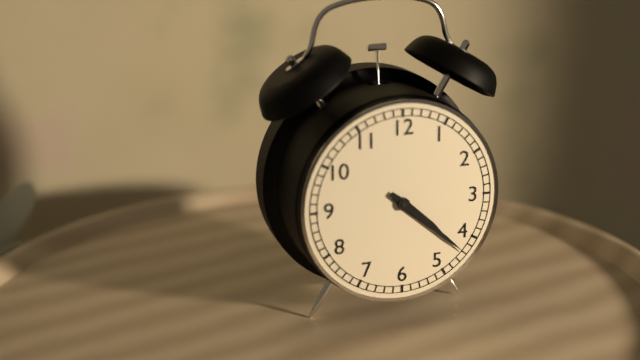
4:22
